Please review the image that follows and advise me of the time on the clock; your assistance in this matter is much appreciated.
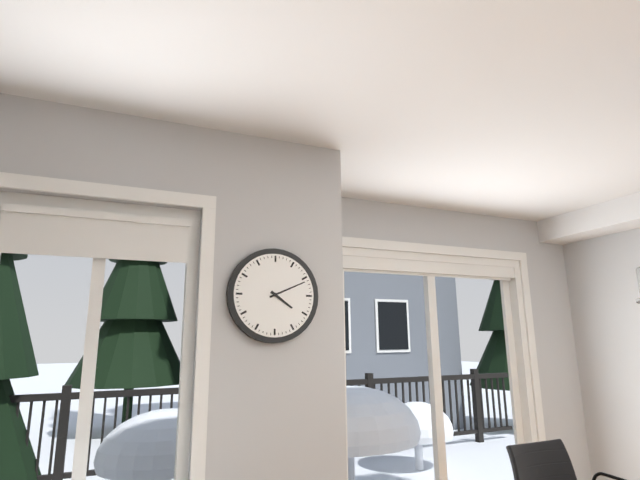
4:11
